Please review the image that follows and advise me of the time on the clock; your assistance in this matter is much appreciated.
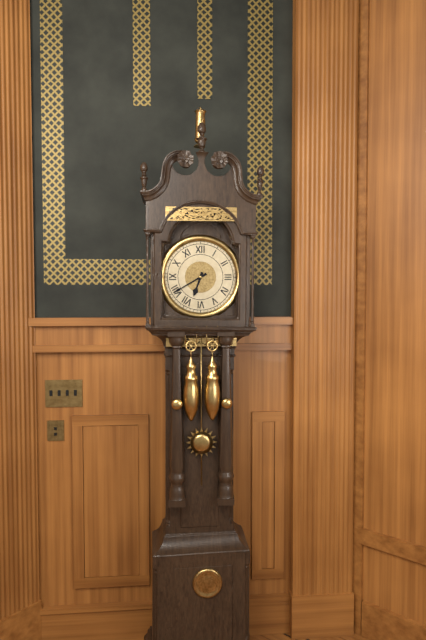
6:40
